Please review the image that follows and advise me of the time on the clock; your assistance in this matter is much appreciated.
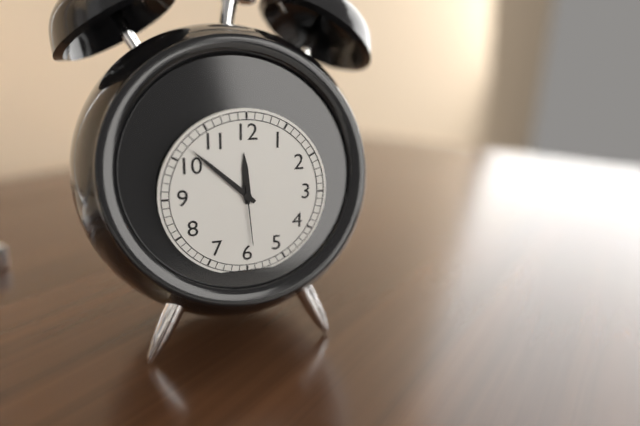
11:52:29
